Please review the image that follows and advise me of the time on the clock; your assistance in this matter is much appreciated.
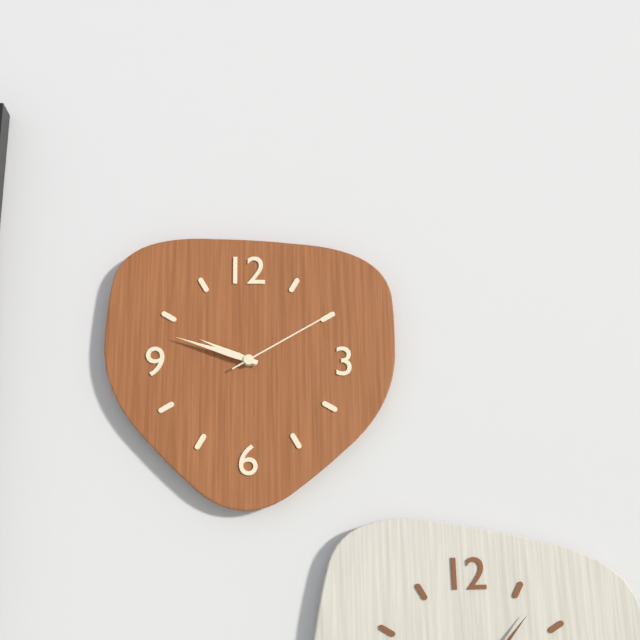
9:48:10
